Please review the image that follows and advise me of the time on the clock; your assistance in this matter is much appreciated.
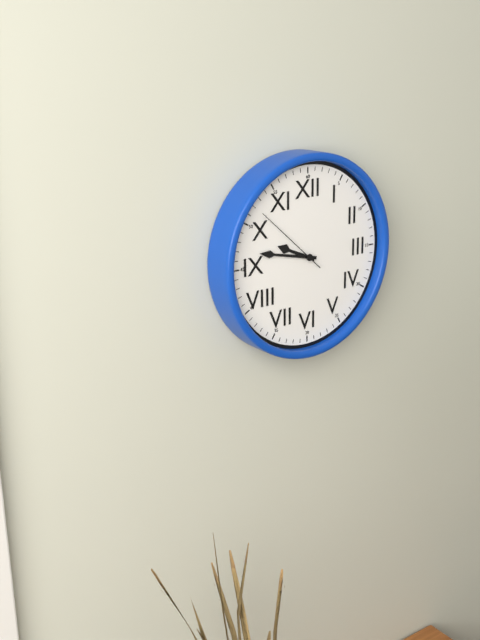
9:47:52
